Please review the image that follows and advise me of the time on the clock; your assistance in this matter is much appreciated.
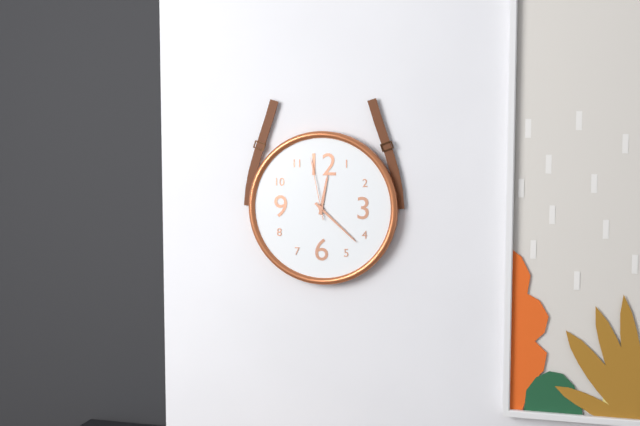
12:22:58
